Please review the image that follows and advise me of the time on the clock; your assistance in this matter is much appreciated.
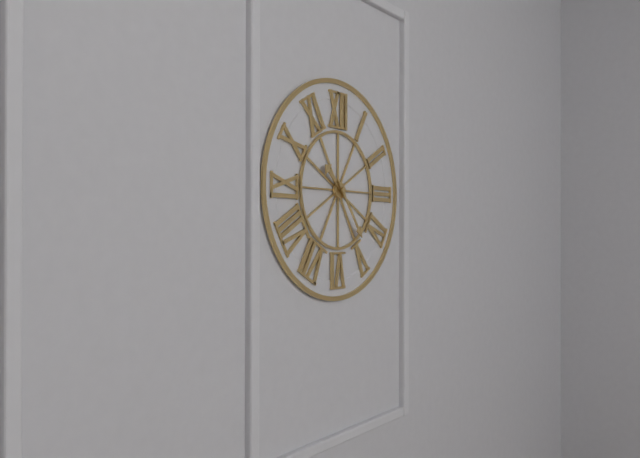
10:24
